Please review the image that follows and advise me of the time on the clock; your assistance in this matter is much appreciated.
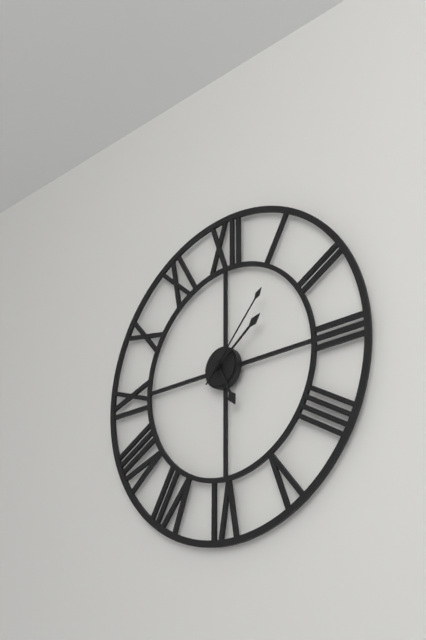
5:09:07
